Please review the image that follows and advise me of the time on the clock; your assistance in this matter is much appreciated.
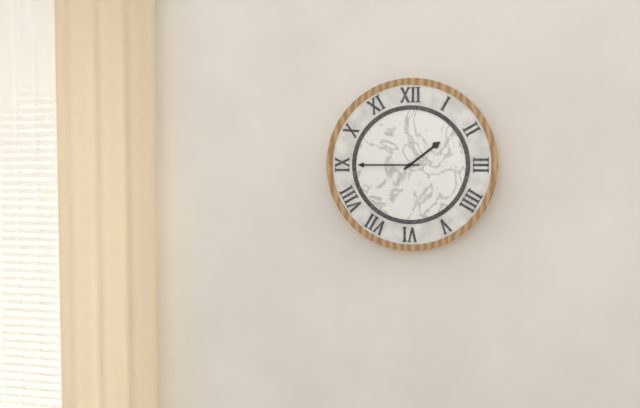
1:45
